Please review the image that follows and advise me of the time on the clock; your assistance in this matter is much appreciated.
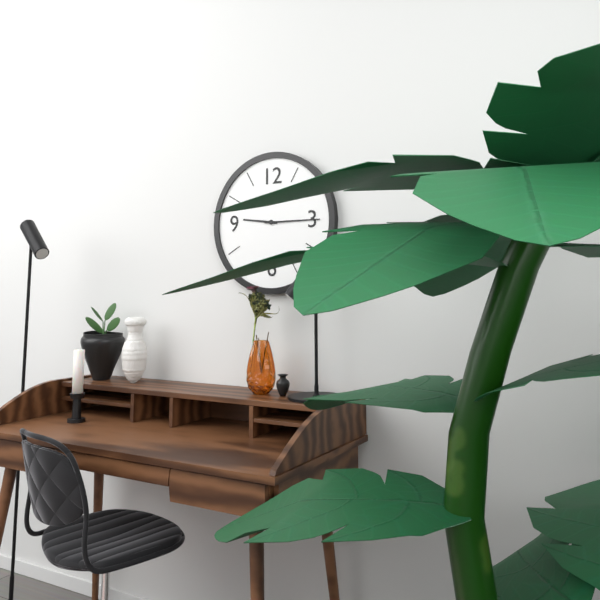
9:15
